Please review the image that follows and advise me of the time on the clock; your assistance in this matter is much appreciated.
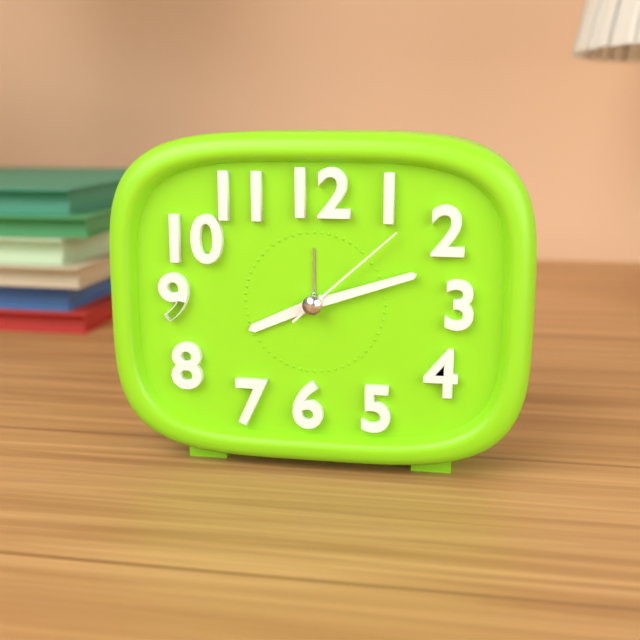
8:12:08
